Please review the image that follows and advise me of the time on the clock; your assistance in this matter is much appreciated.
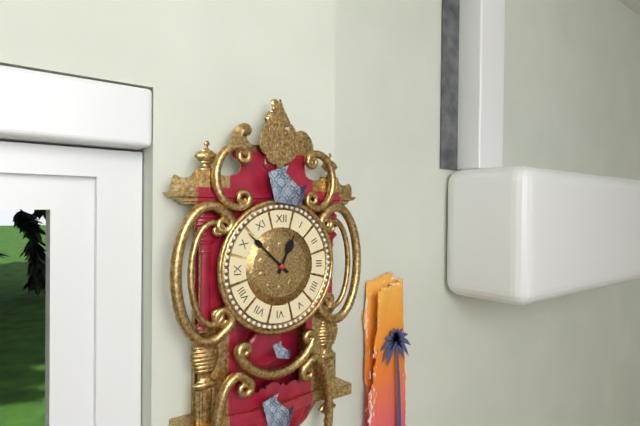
12:52
